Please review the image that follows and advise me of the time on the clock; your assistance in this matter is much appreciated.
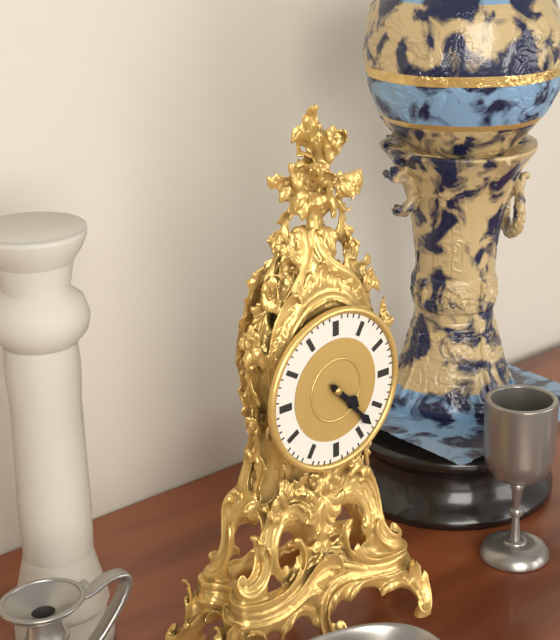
4:23
